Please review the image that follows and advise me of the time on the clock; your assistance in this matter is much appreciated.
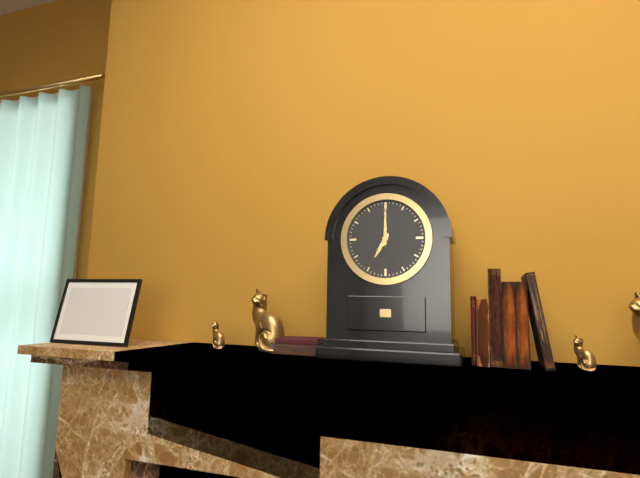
7:00
